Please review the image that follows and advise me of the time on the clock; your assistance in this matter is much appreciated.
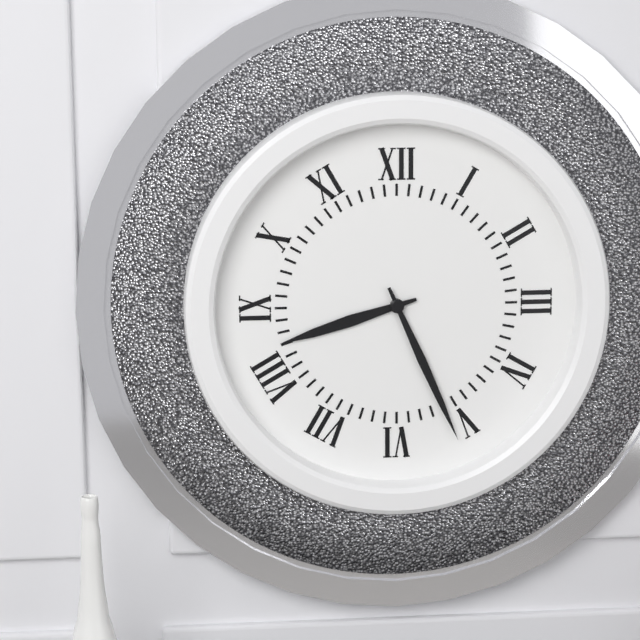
8:26
